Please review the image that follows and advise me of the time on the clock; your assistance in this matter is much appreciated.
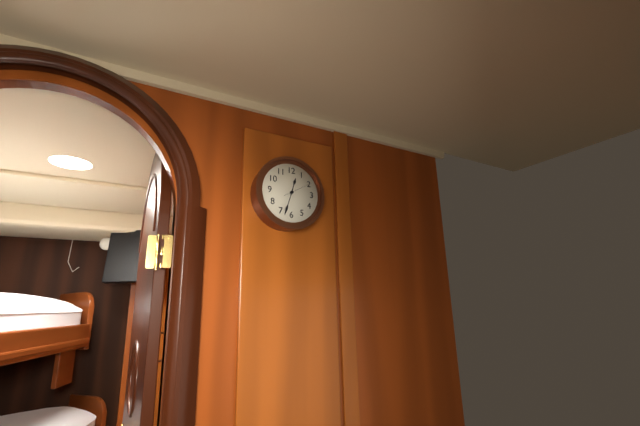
12:33
